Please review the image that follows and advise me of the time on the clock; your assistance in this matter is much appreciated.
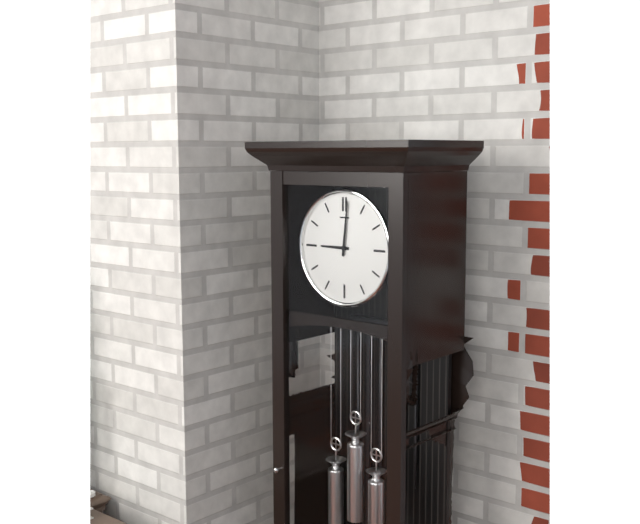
9:01
